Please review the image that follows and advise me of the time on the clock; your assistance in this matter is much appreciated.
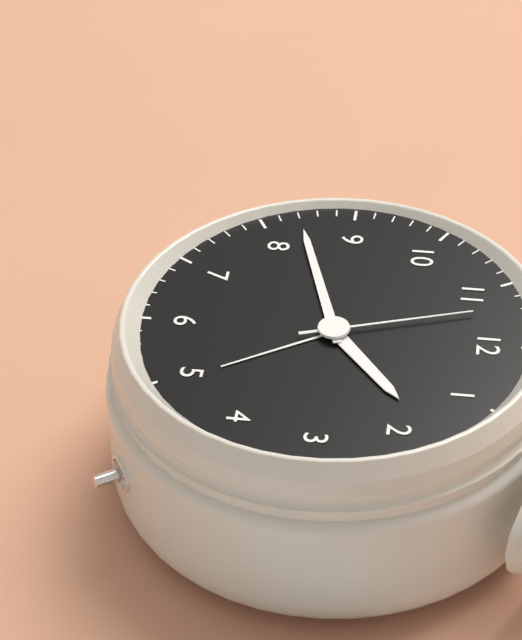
1:42:57
